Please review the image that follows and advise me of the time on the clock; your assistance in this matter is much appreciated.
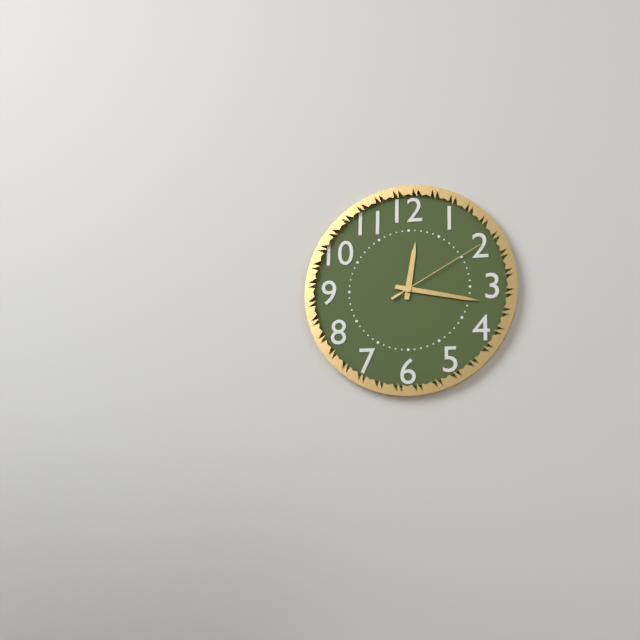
12:17:10
